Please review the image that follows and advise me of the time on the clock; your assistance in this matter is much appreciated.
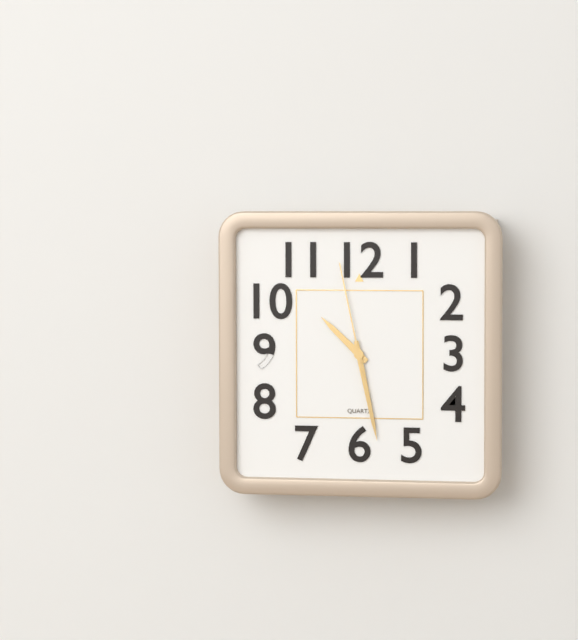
10:28:58
